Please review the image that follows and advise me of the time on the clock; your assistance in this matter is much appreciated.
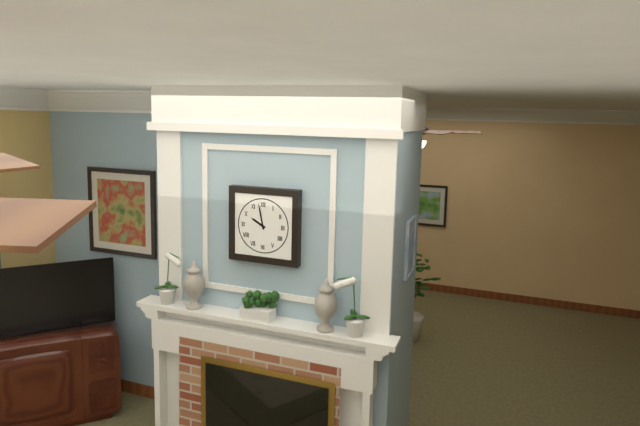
9:58
